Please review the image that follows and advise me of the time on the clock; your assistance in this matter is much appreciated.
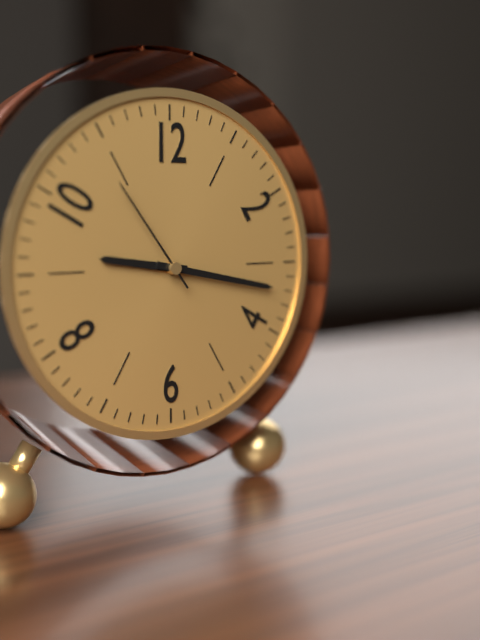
9:17:54
